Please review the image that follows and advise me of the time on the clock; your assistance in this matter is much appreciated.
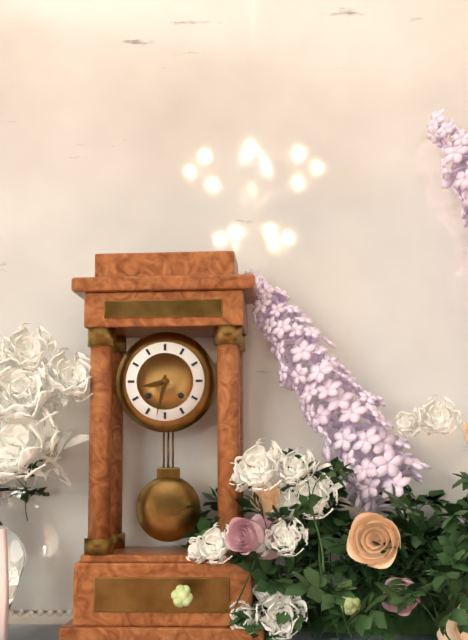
8:32
